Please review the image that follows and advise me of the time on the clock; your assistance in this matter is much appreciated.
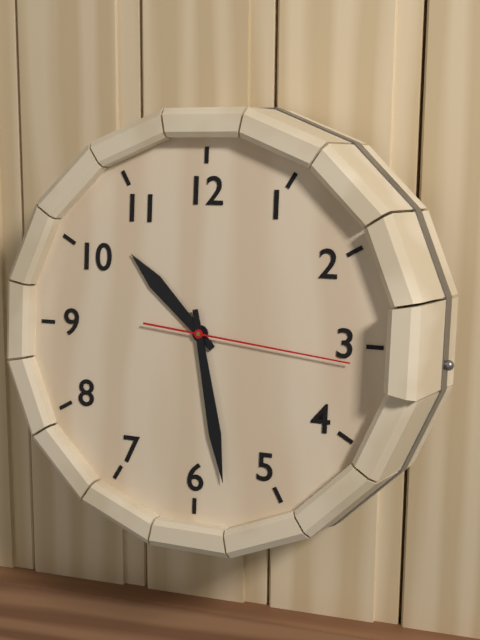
10:28:16
